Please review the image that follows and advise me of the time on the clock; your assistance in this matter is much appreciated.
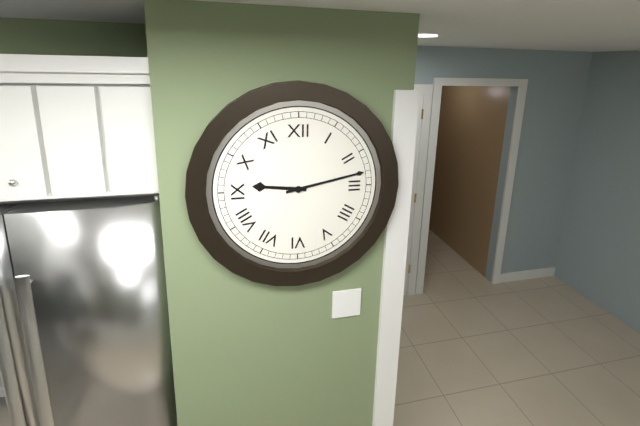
9:13
